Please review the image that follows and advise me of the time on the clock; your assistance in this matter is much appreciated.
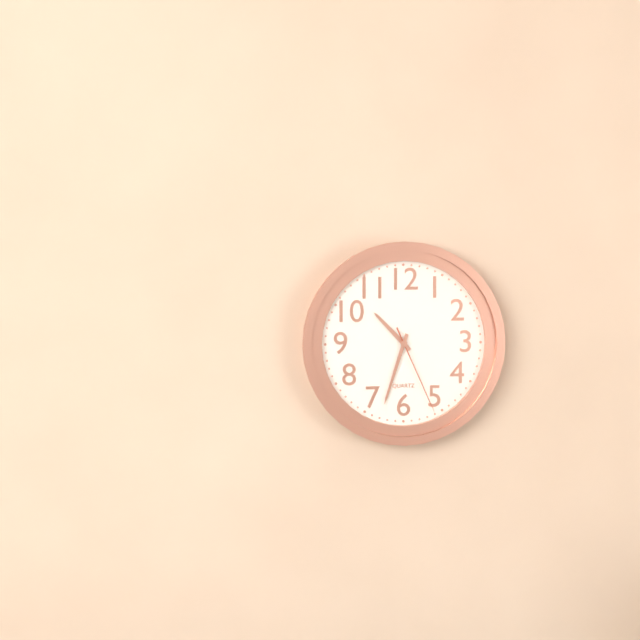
10:33:26
